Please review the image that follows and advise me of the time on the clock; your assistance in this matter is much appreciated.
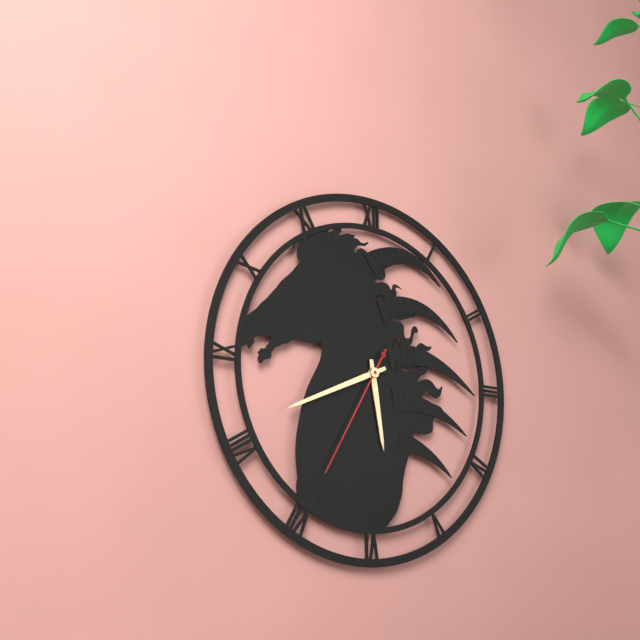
5:41:35
